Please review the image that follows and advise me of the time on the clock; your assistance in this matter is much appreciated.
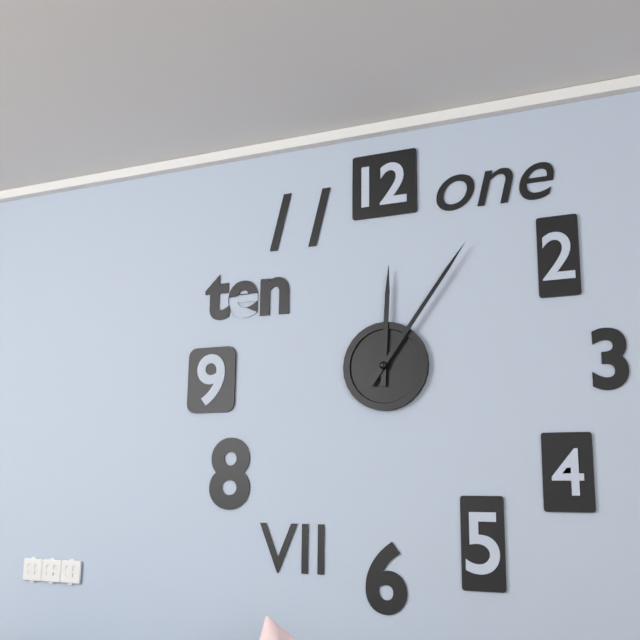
12:06
